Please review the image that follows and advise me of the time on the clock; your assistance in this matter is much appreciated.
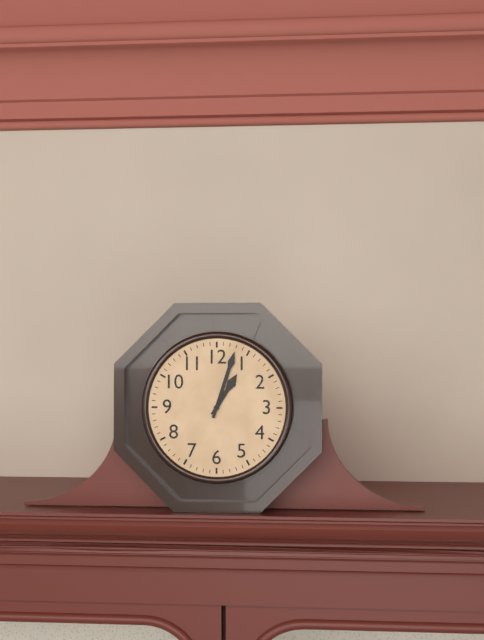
1:03
